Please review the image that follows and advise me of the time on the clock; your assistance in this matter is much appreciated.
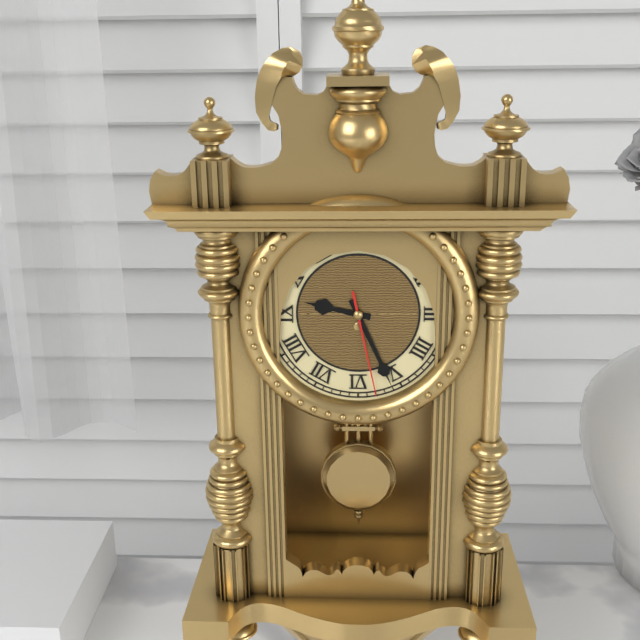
9:26:28
